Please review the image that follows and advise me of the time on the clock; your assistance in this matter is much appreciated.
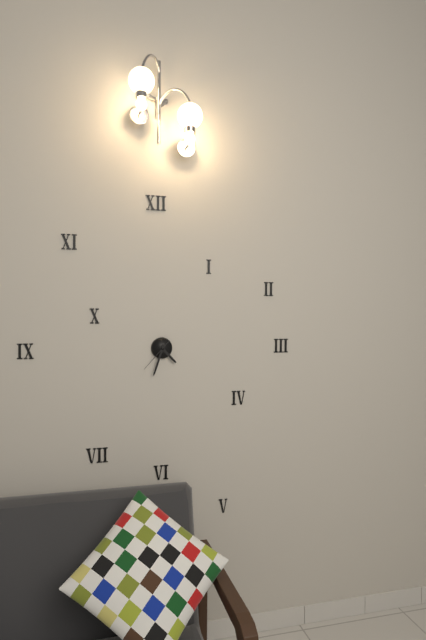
4:33
